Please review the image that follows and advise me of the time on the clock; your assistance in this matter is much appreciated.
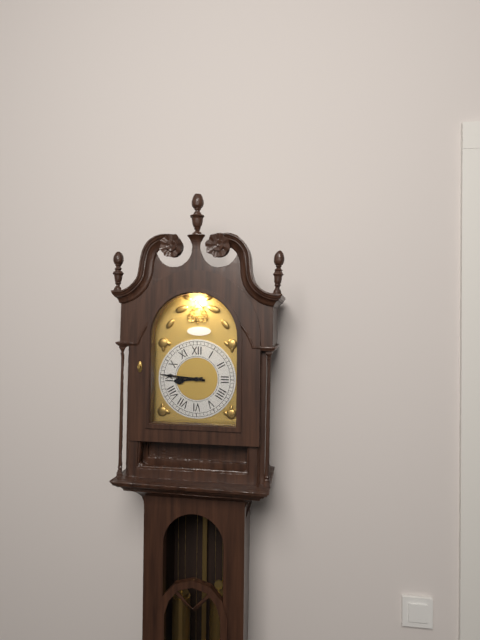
8:46
